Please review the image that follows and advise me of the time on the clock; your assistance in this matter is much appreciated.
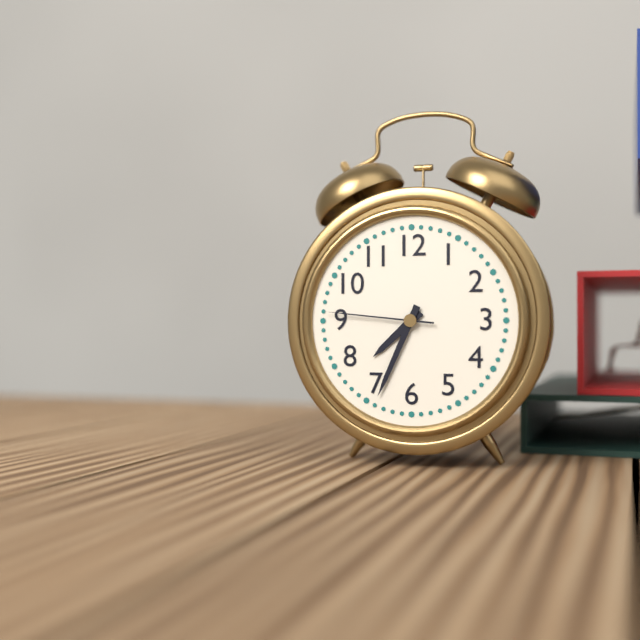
7:34:46
